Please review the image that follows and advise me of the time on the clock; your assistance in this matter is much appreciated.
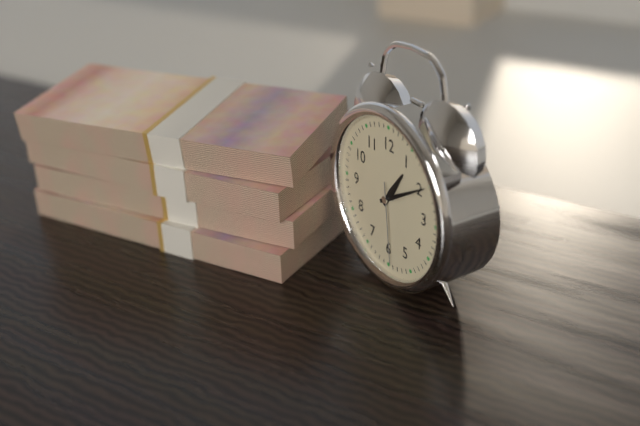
1:10:29
